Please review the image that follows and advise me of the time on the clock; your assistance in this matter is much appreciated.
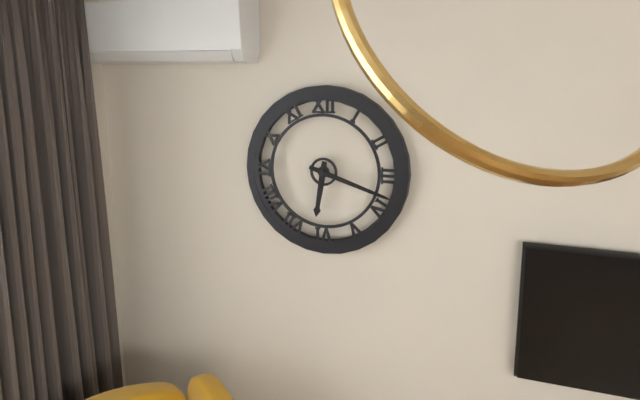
6:18
